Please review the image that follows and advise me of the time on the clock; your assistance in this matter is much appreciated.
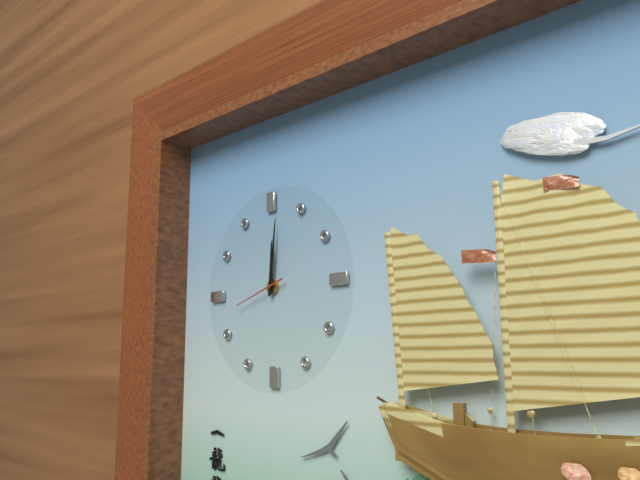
12:01
